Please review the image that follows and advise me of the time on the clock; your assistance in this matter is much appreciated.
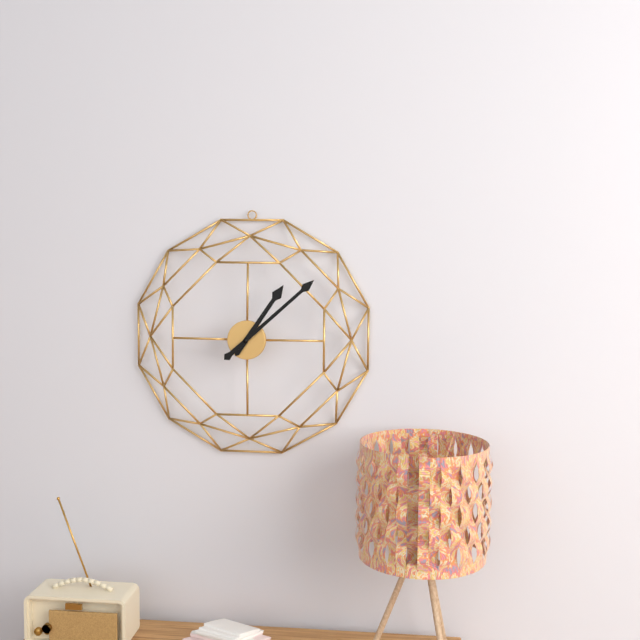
1:08
